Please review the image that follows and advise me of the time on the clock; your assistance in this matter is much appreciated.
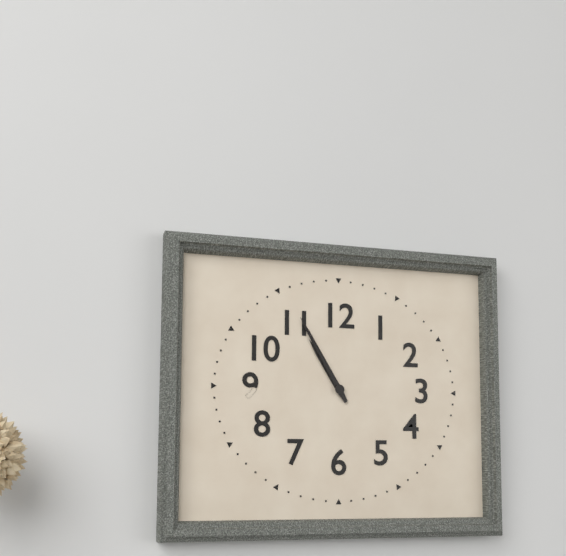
10:55
